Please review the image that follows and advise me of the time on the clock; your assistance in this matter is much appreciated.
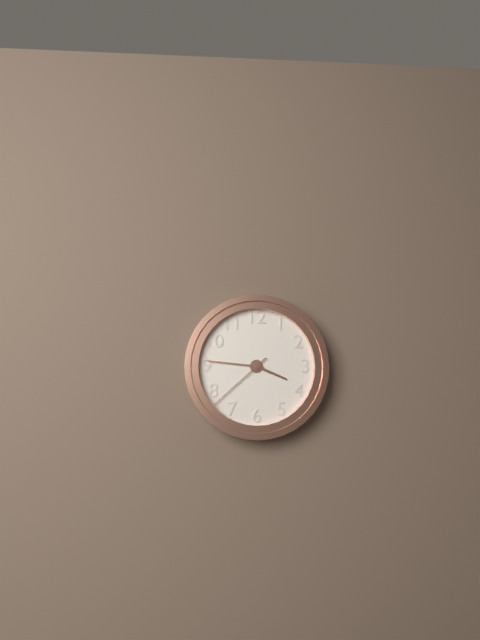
3:46:38
